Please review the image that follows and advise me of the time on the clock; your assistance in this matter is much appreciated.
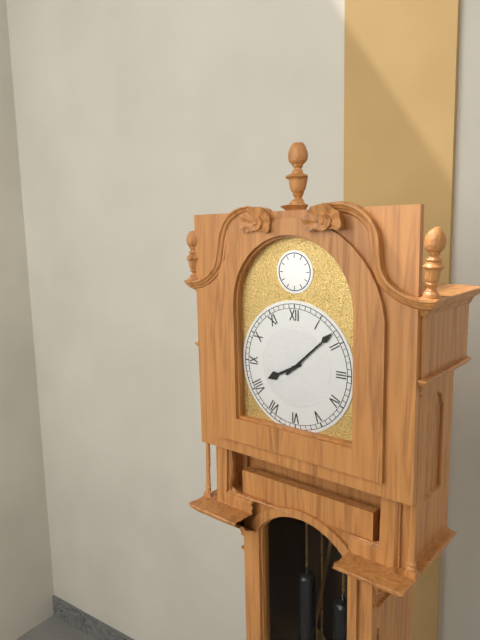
8:08
